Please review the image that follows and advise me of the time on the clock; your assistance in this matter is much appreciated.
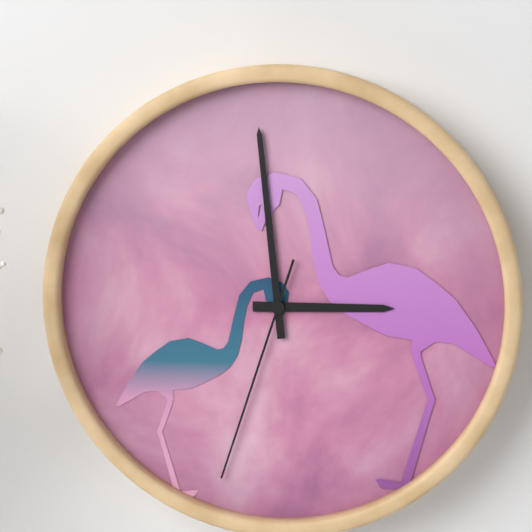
2:59:33
